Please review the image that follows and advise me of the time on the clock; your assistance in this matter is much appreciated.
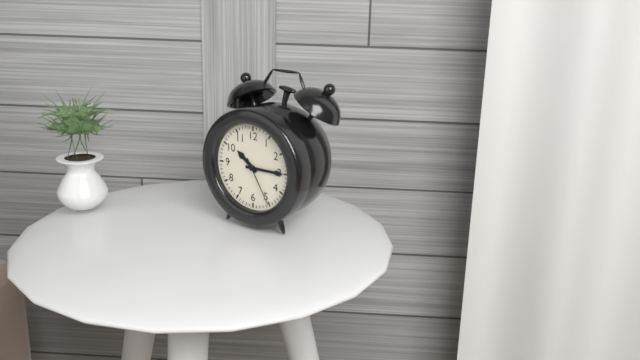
10:15
